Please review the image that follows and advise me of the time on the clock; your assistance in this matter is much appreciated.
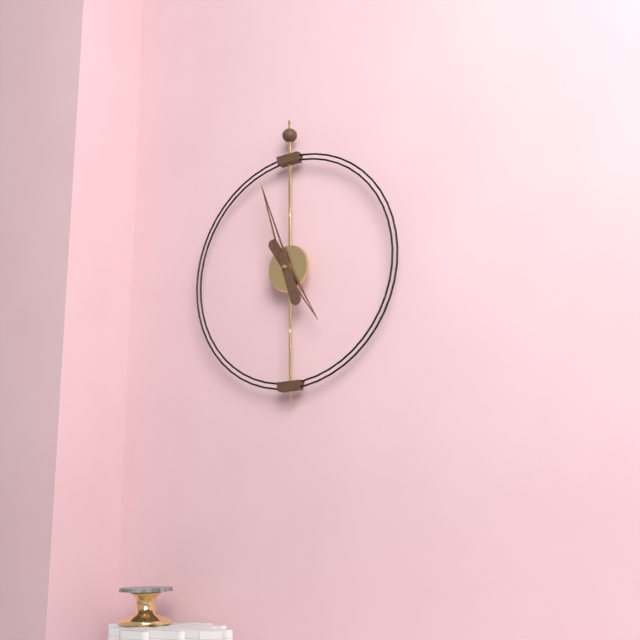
4:57
